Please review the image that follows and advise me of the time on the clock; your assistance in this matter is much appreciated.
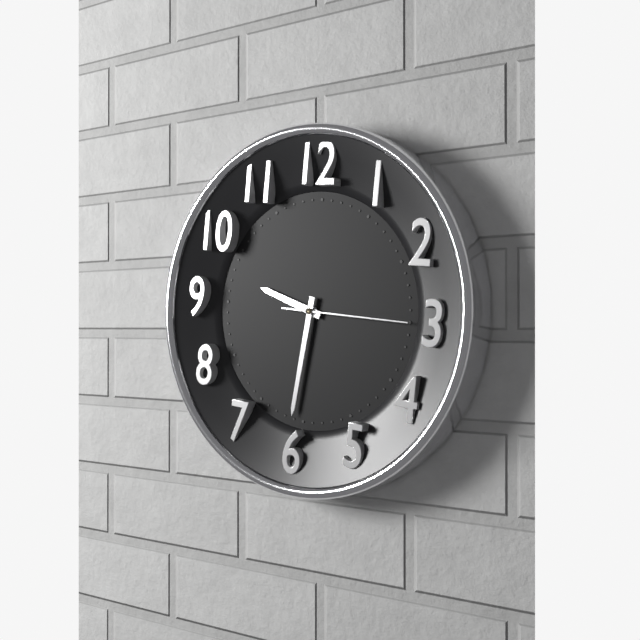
9:31:15
